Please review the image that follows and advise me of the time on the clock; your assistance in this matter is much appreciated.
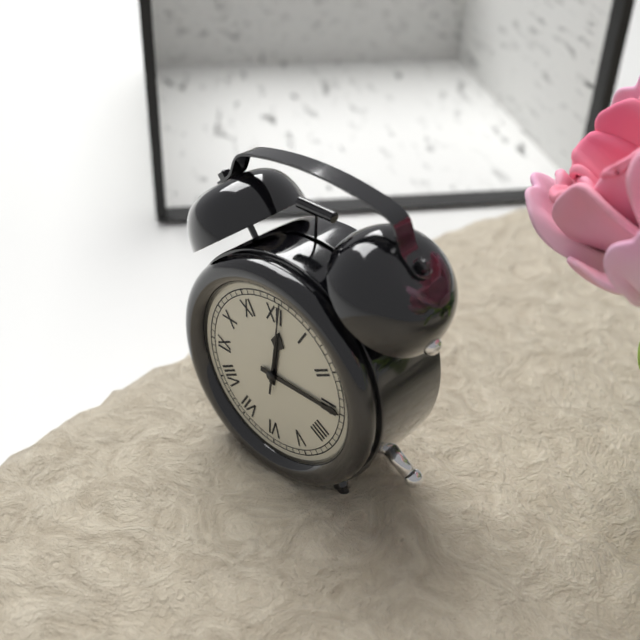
12:15:01
